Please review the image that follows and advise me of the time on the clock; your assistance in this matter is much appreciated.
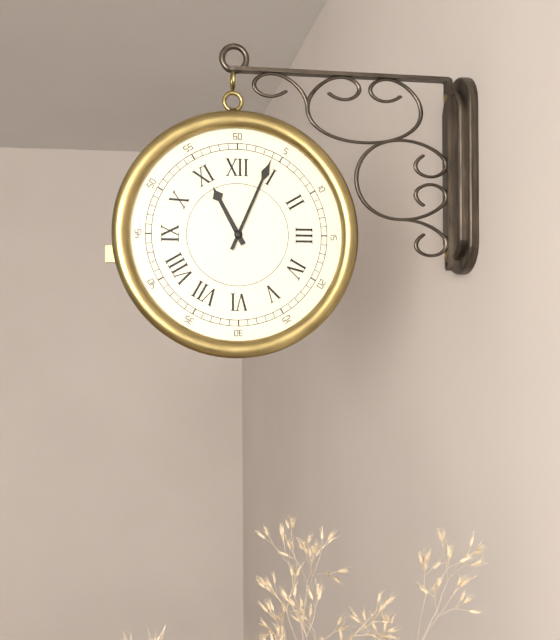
11:04
